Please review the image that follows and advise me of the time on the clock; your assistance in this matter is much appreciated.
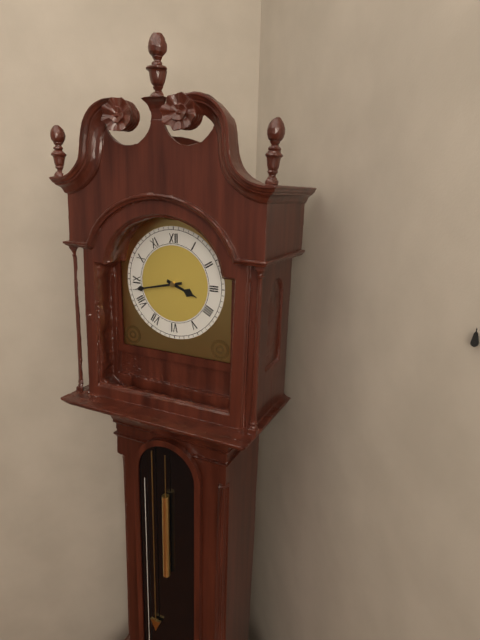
3:43
